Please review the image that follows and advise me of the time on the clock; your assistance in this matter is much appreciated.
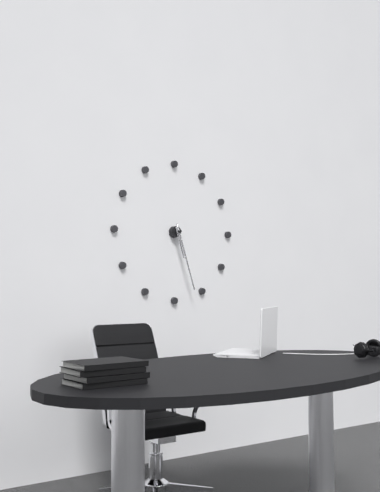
5:27
